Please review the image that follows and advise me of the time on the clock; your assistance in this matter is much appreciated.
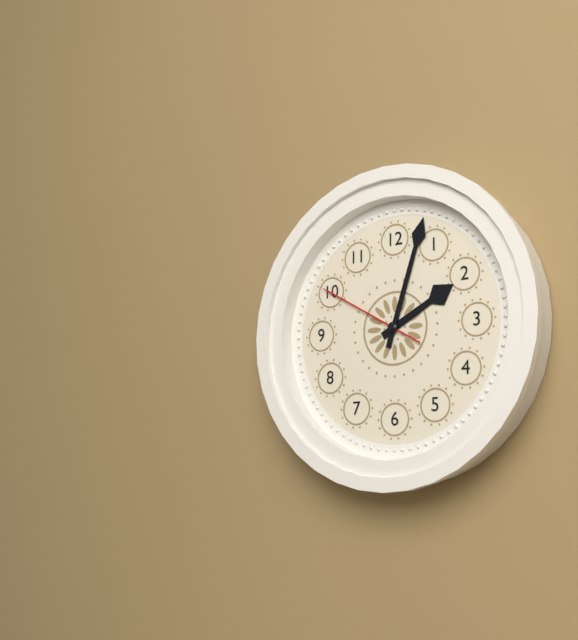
2:03:50
